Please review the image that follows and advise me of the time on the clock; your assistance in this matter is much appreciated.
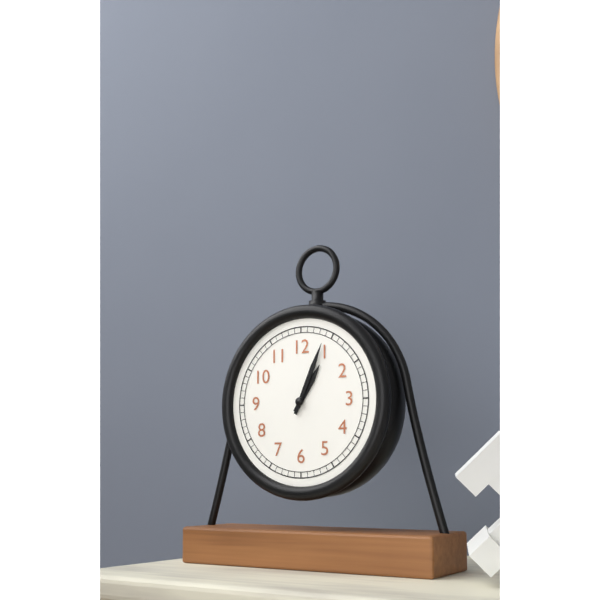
1:04
